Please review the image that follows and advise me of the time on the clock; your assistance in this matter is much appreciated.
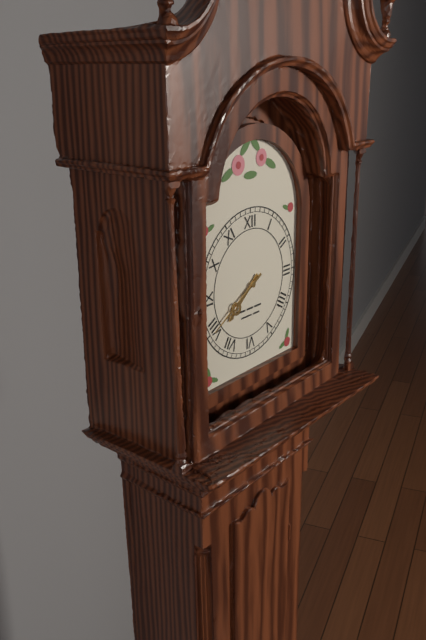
7:40
